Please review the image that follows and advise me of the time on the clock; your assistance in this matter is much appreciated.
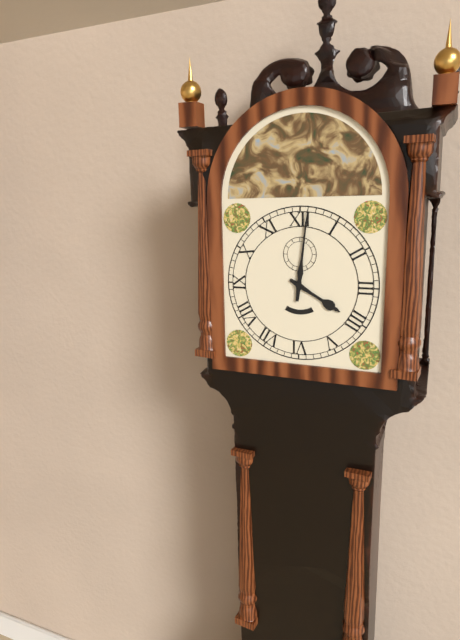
4:01
